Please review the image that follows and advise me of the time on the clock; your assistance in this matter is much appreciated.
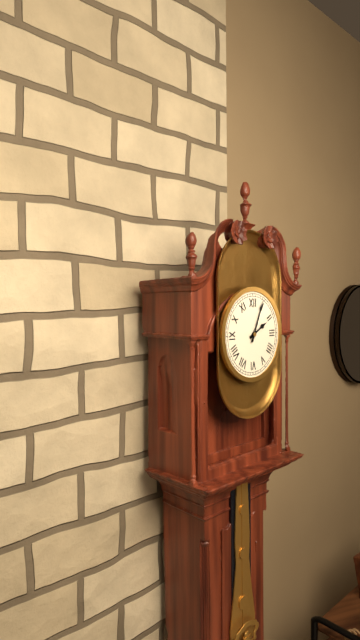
2:04
